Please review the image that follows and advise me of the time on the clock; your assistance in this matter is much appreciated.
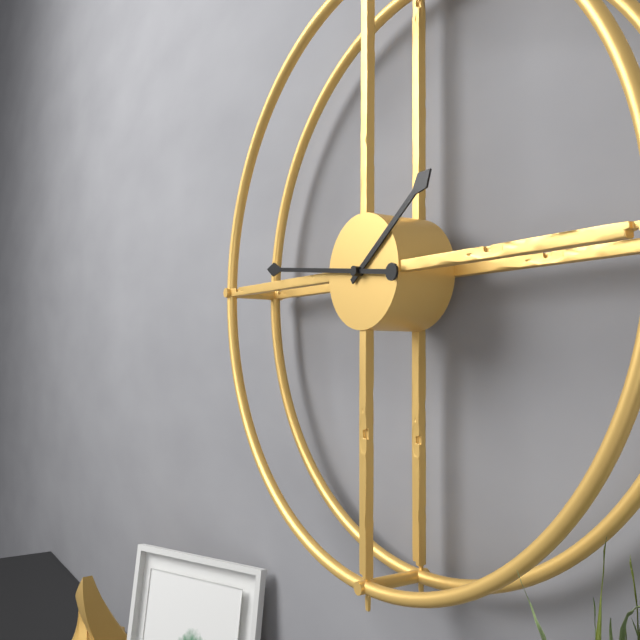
1:46
